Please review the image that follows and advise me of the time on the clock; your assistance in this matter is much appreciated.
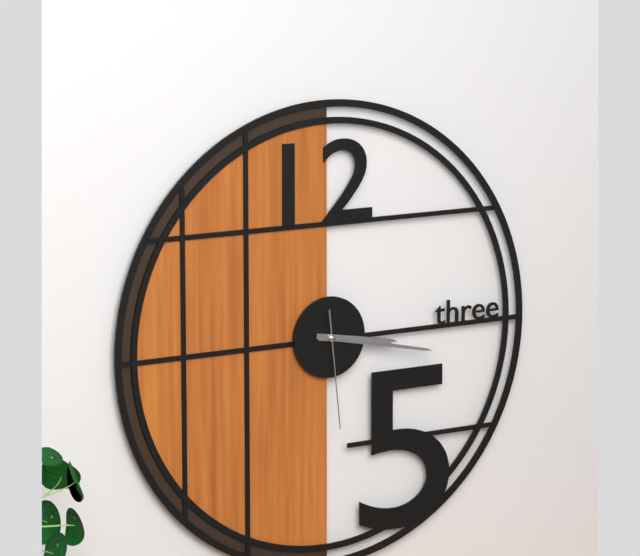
3:17:29
